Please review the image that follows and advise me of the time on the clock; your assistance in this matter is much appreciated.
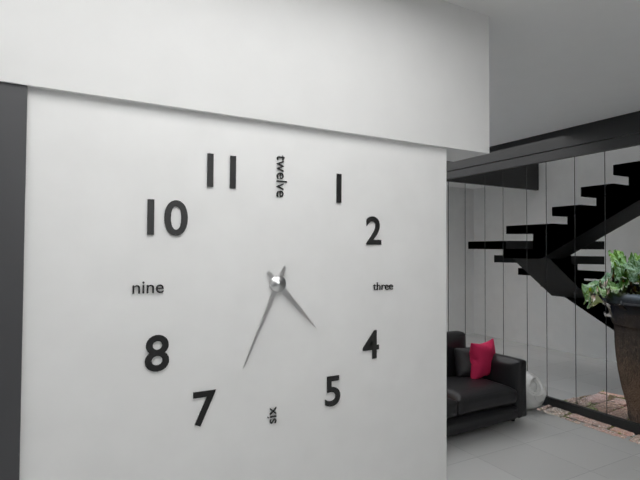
4:34
